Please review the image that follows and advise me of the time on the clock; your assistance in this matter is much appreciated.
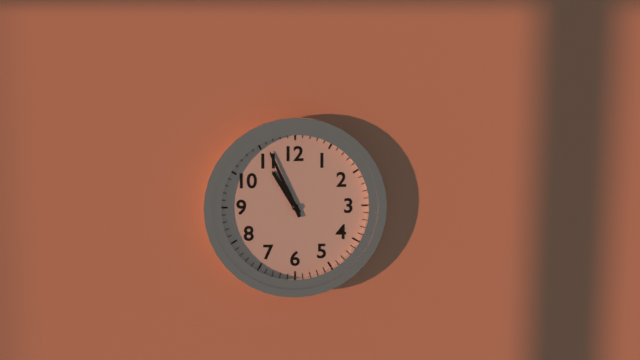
10:56
